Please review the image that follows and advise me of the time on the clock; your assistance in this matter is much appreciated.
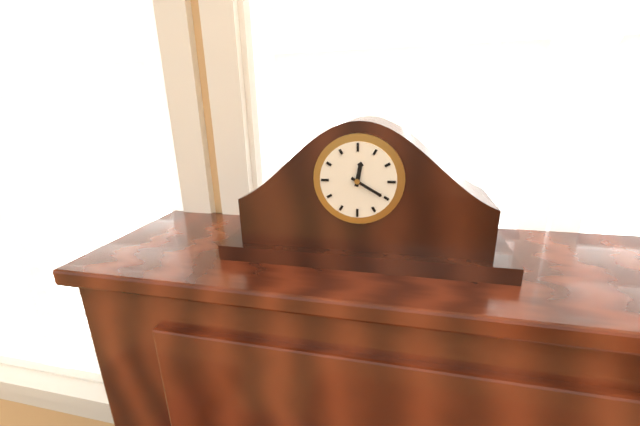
12:20
